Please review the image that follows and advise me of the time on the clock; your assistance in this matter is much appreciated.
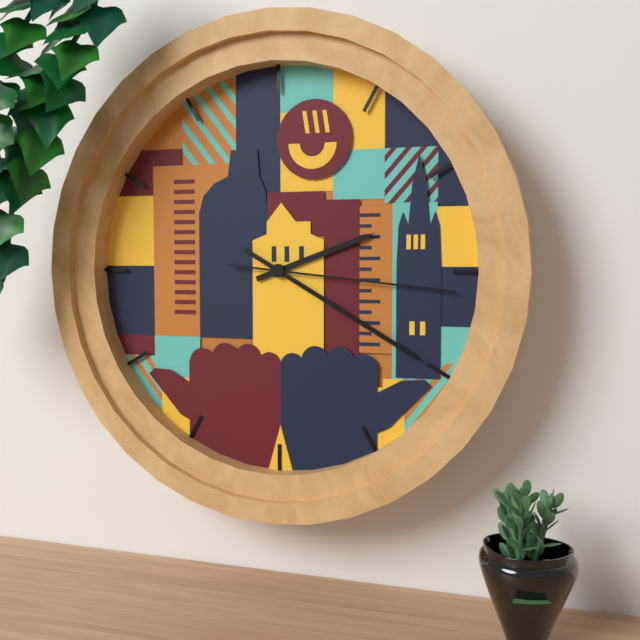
2:20:16
